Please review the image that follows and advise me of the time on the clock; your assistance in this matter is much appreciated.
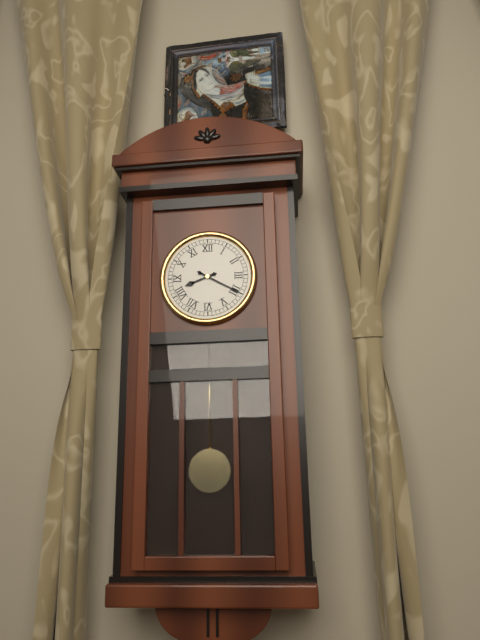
8:20
